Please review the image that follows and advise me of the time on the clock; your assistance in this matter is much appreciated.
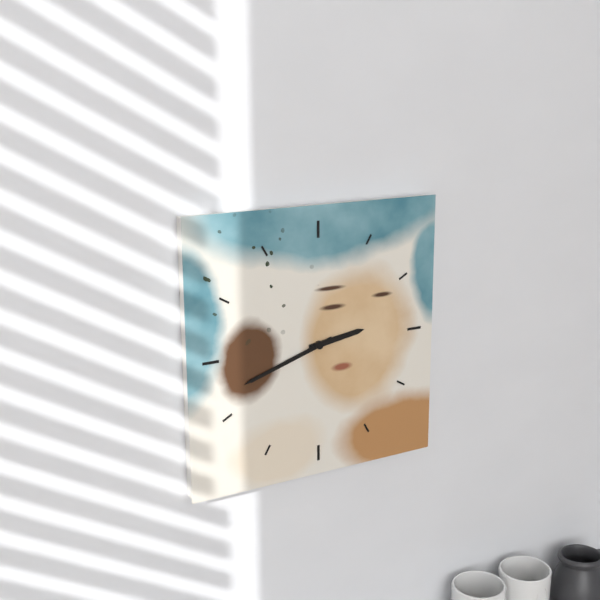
2:42
